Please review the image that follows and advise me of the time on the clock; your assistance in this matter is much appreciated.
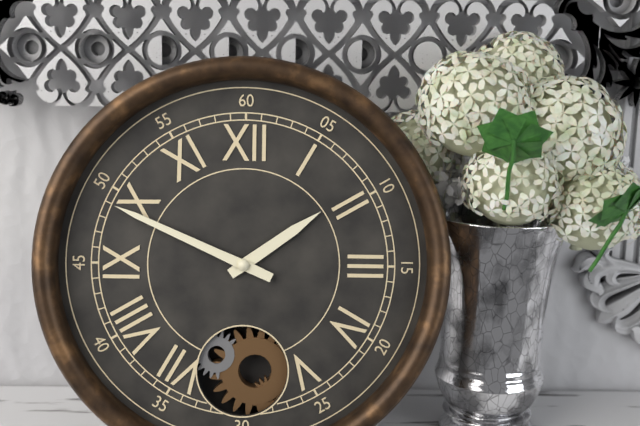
1:49
